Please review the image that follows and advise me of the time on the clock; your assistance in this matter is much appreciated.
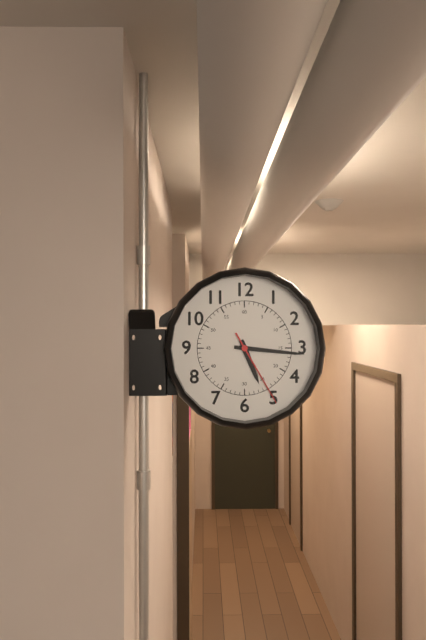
5:16:25
